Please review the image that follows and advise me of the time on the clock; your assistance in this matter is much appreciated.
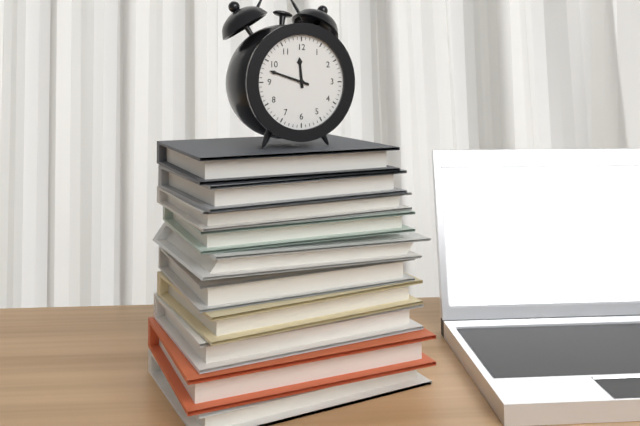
11:48
